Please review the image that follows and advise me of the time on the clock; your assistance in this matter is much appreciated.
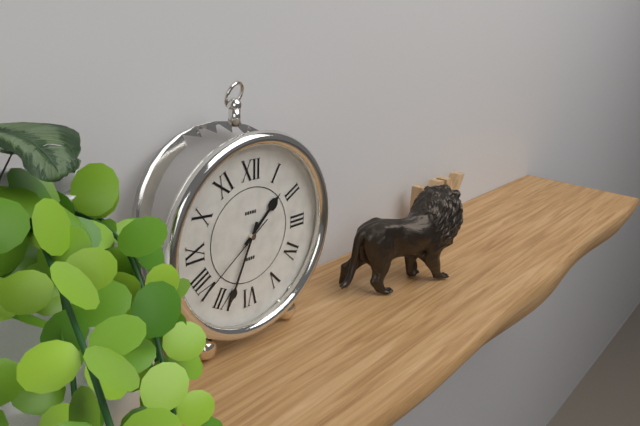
1:34:39
